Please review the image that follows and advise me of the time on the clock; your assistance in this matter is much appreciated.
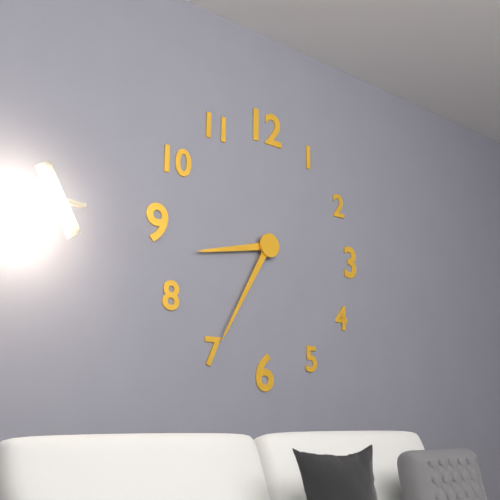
8:35
